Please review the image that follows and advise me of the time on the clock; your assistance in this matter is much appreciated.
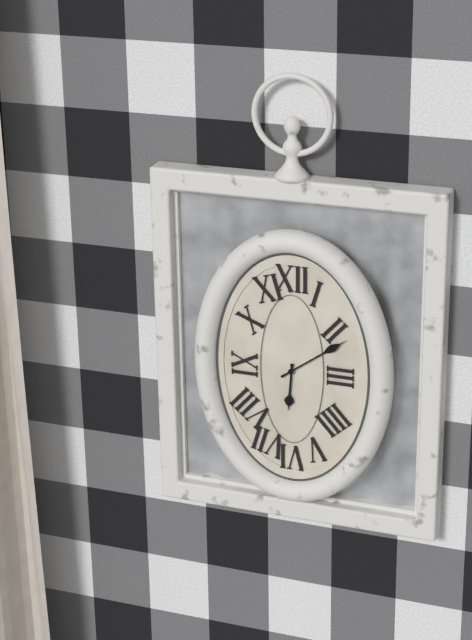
6:09
